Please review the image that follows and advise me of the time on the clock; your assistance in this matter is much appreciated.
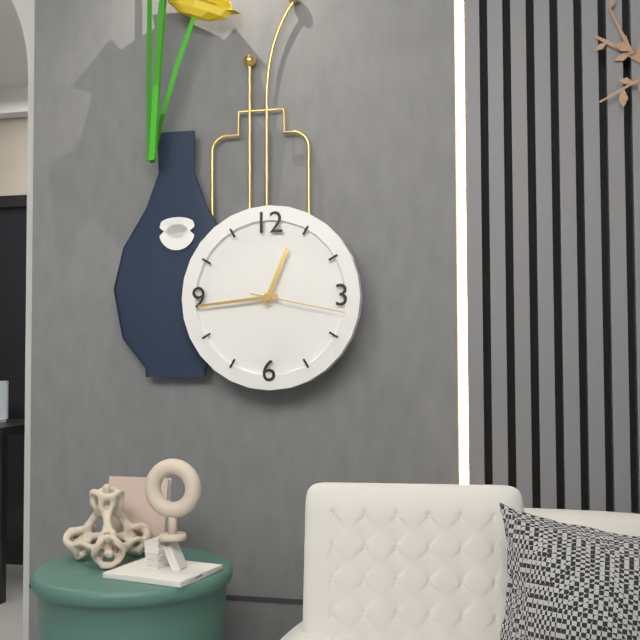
12:44:17
